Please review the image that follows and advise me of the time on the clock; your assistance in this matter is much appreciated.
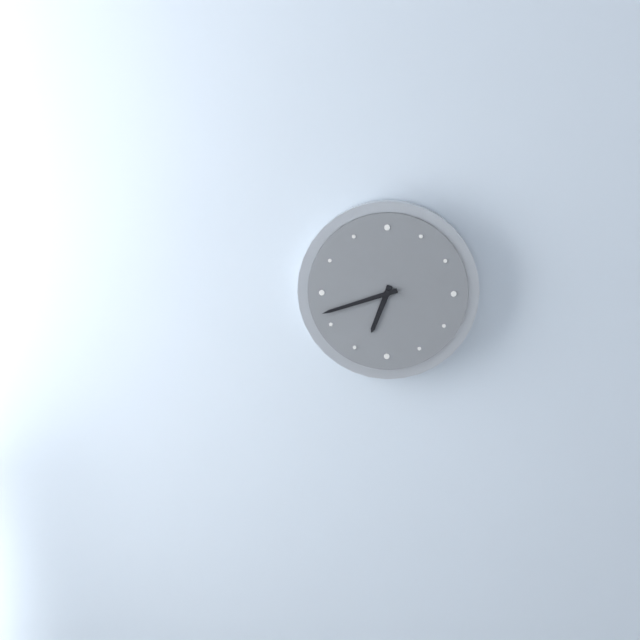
6:42
